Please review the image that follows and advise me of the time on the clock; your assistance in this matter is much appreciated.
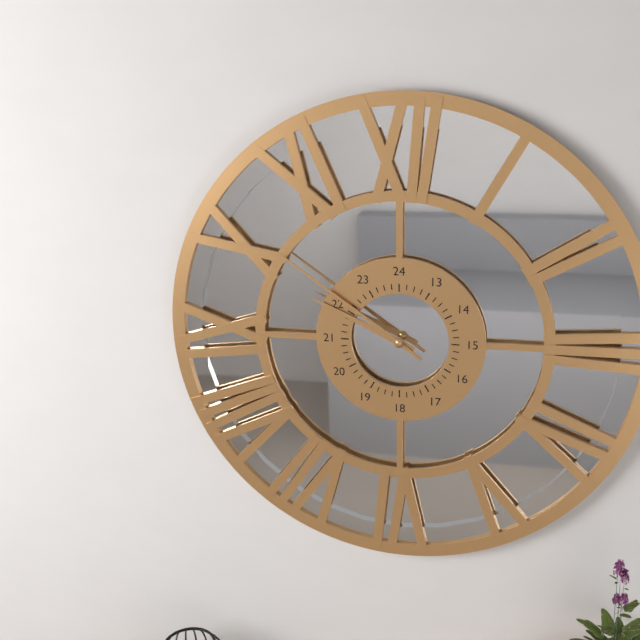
9:51
